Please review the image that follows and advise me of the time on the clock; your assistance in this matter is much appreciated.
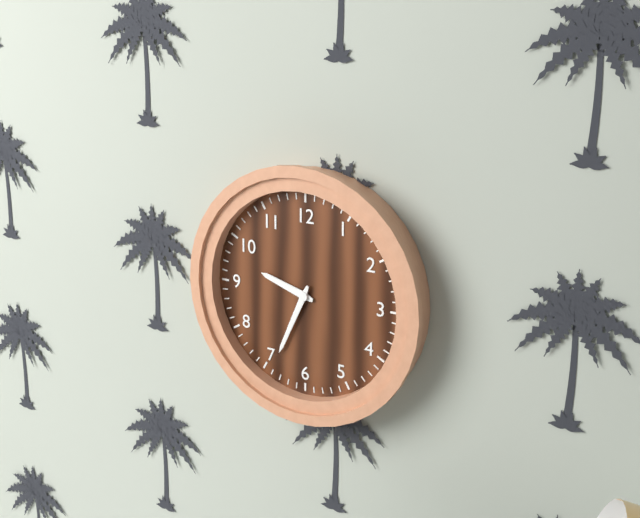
9:34
